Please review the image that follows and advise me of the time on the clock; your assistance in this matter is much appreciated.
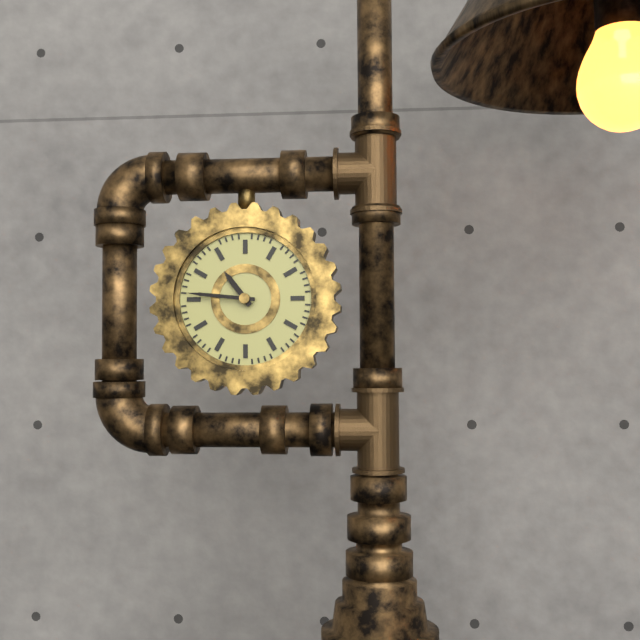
10:46
